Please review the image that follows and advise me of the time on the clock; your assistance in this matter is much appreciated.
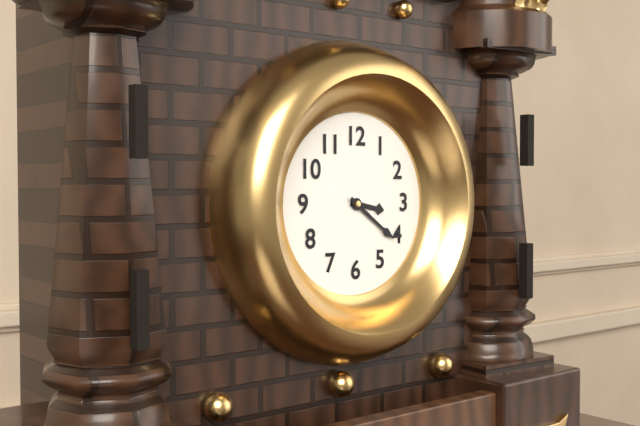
3:21
